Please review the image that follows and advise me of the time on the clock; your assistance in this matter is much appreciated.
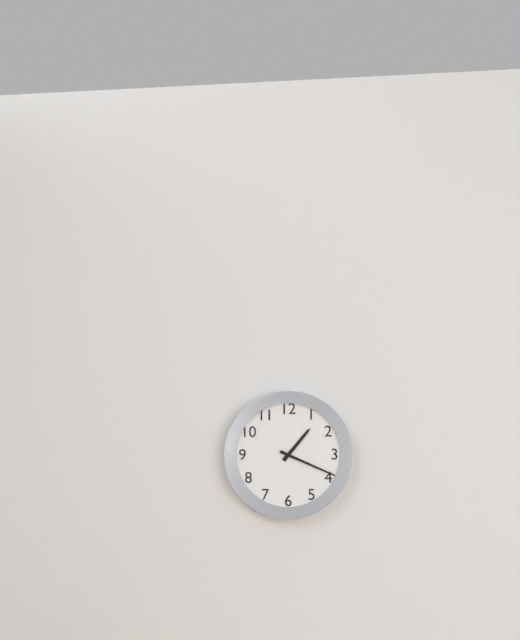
1:19
